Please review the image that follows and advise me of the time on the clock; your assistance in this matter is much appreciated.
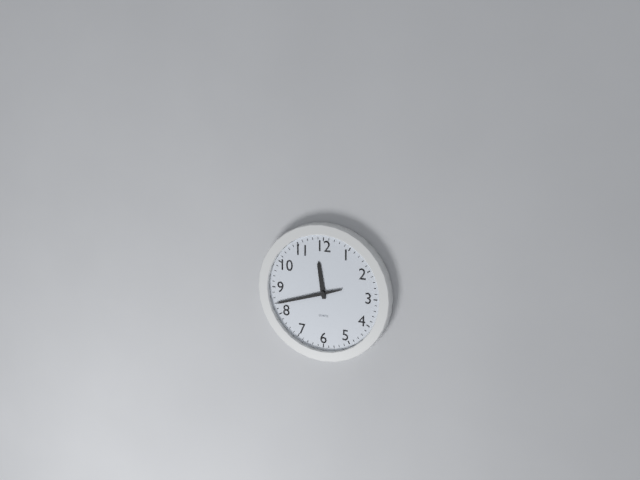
11:42
